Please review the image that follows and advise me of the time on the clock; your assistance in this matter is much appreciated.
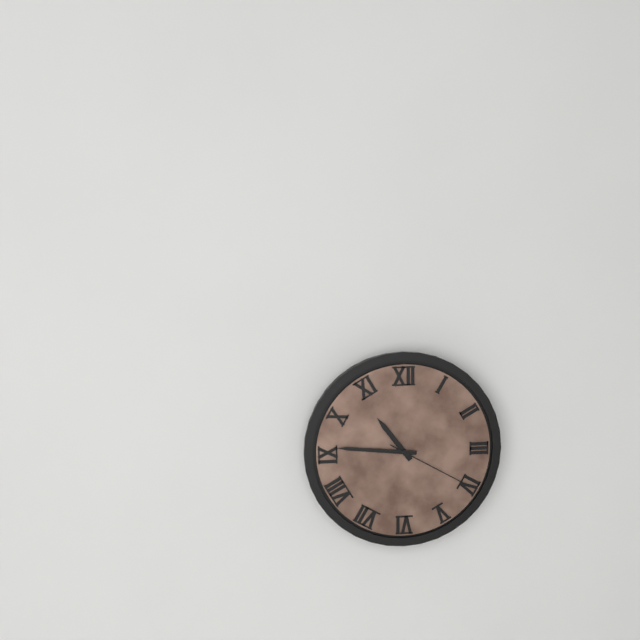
10:46:20
